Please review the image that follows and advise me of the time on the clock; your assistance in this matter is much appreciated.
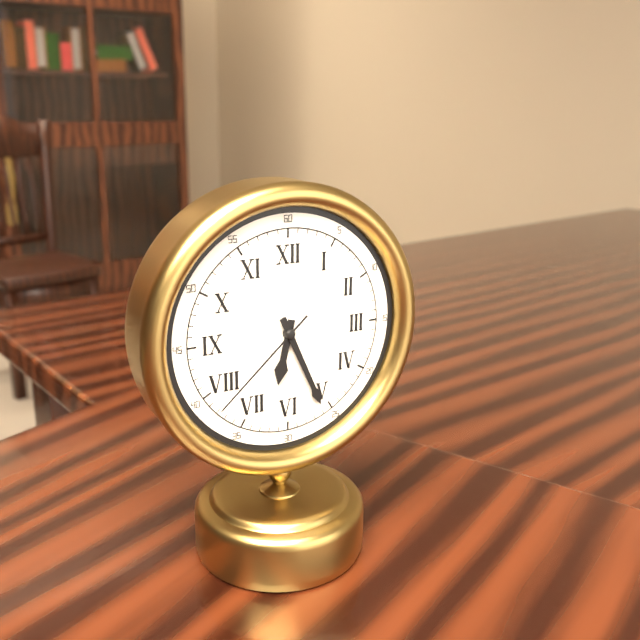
6:26:38
